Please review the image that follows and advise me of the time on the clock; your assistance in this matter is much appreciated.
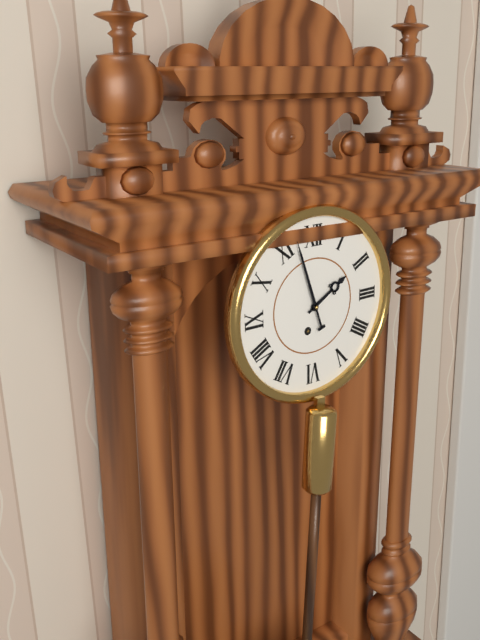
1:57
